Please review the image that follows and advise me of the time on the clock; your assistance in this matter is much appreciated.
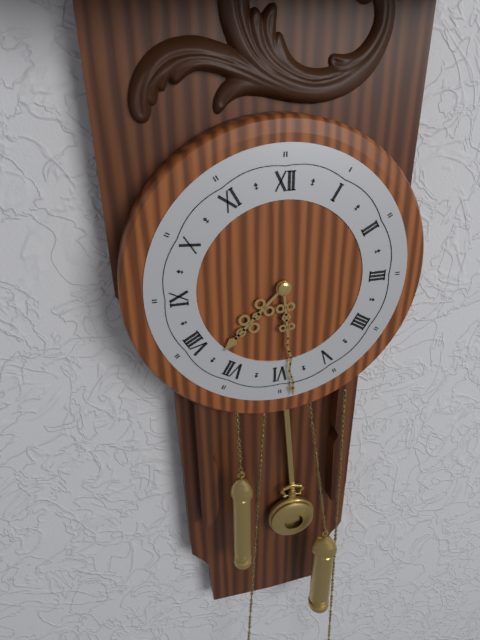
7:29
